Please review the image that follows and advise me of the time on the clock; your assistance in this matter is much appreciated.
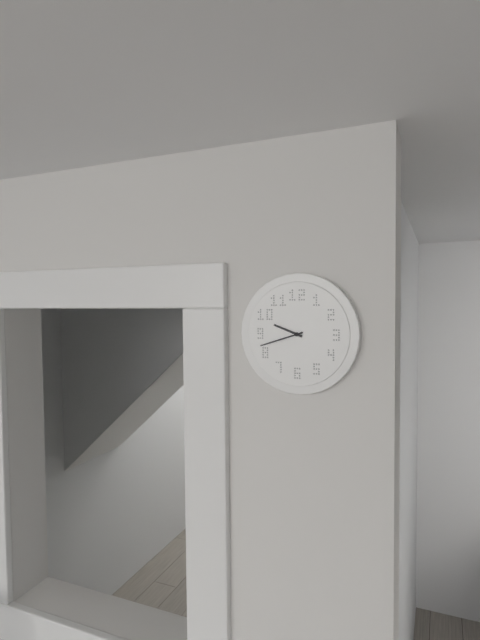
9:42
